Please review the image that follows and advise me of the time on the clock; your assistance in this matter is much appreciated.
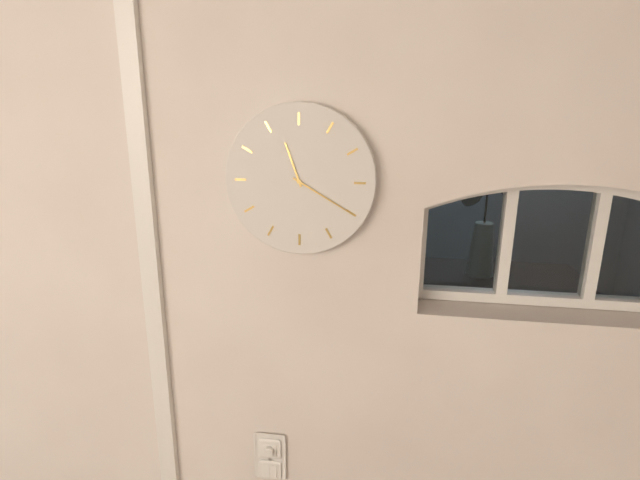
11:20
